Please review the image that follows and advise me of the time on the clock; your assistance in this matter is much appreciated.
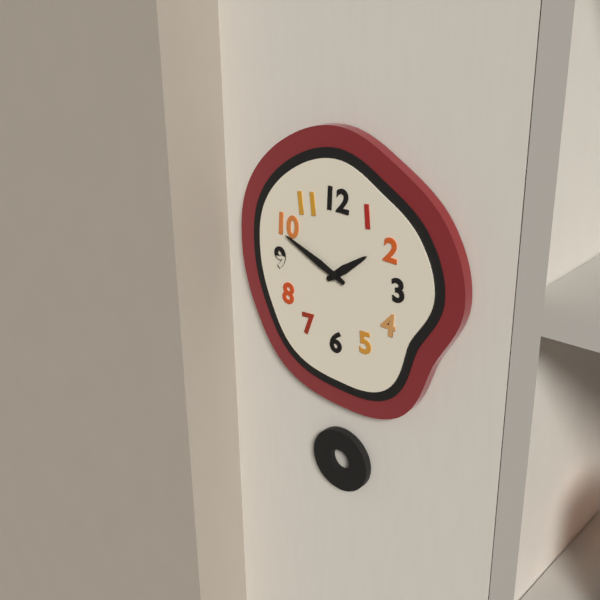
1:49
